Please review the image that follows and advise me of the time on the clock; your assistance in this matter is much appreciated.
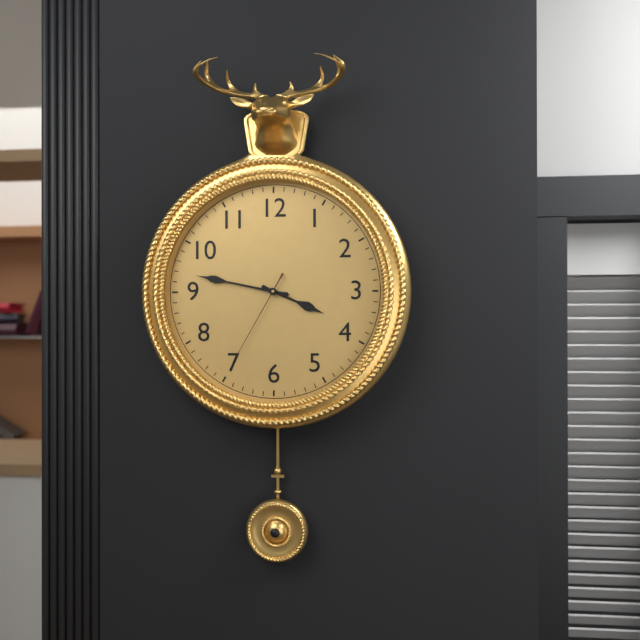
3:47:35
